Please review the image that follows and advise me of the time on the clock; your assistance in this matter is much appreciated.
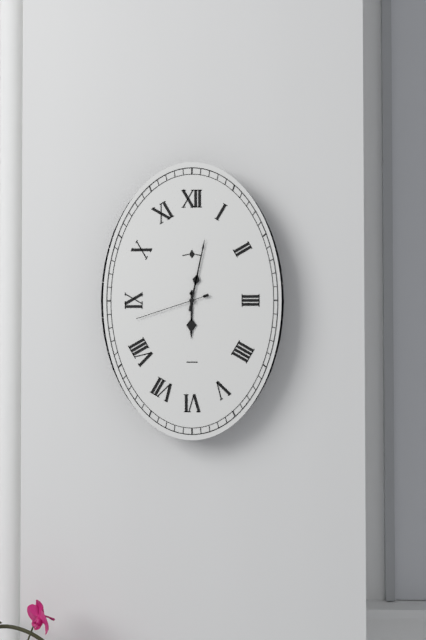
6:02:42
